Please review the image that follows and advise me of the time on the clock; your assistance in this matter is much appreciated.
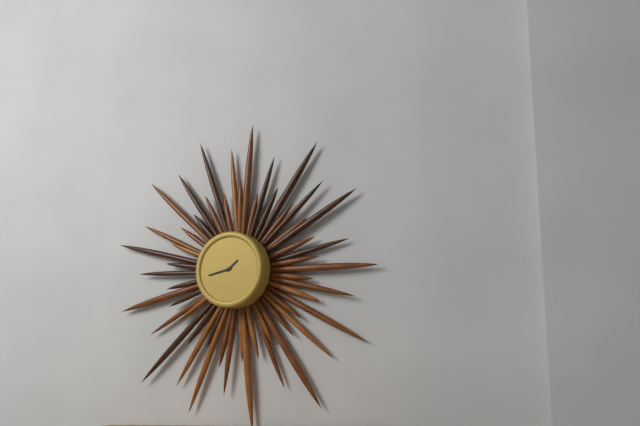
1:43
